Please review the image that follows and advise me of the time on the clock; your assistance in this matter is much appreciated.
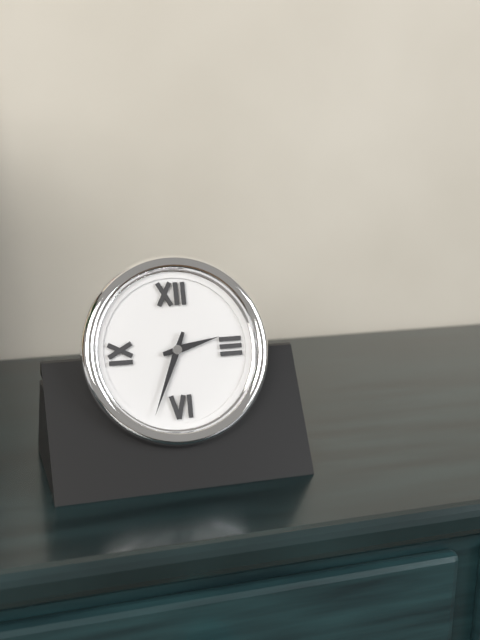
2:34
